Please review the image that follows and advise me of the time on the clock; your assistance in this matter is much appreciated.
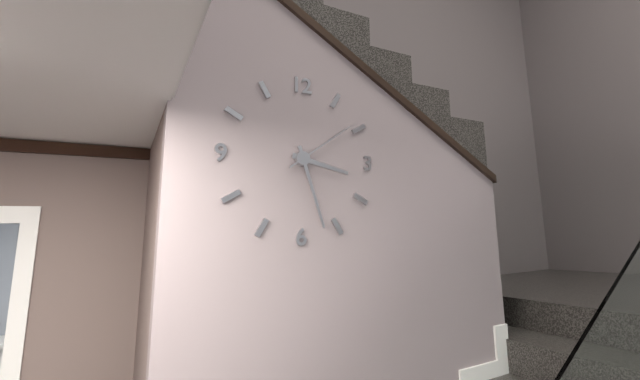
3:27:09
